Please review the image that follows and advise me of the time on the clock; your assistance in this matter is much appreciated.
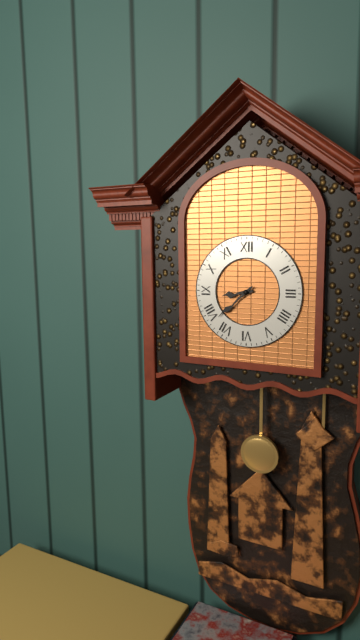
8:38
